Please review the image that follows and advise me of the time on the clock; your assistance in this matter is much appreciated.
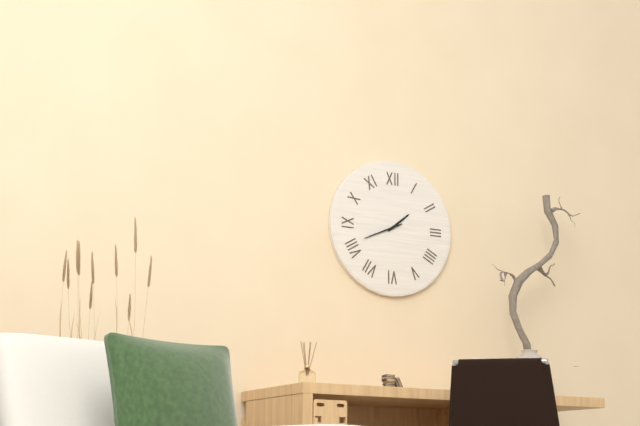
1:41
